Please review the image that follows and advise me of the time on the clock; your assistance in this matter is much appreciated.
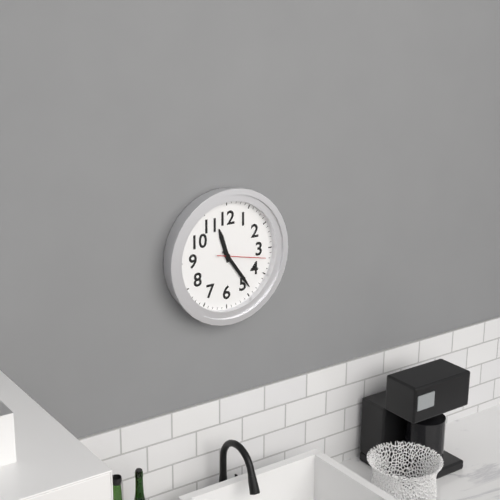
11:24
